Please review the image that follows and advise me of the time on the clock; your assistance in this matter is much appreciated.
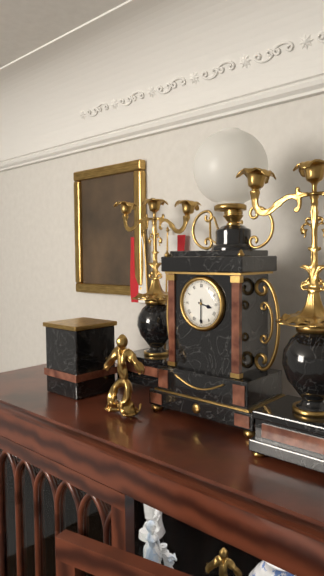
3:30
